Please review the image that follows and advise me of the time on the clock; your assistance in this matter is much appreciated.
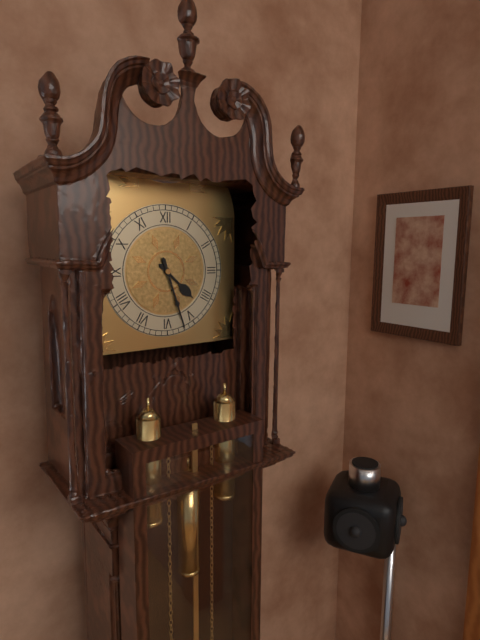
4:27
